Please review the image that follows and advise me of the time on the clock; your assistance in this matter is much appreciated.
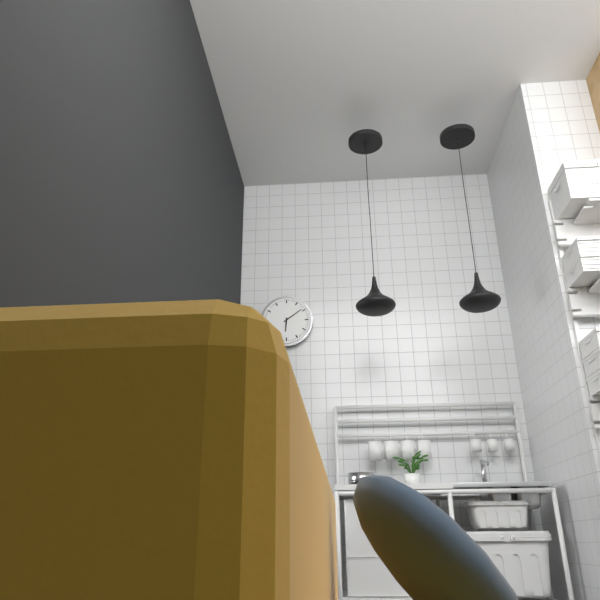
6:09
